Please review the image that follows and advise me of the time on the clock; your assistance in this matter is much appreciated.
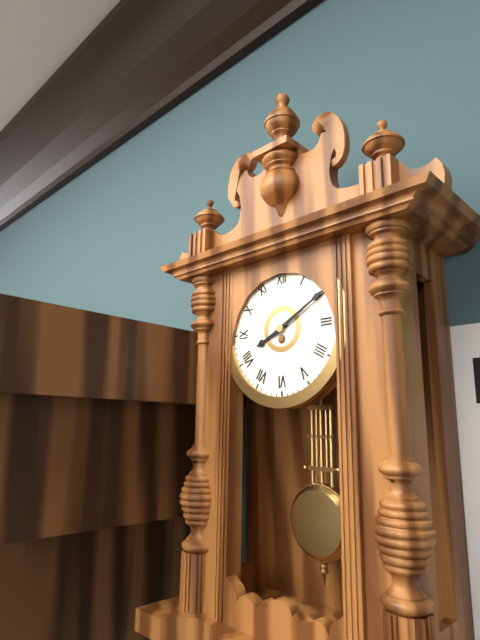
8:10
